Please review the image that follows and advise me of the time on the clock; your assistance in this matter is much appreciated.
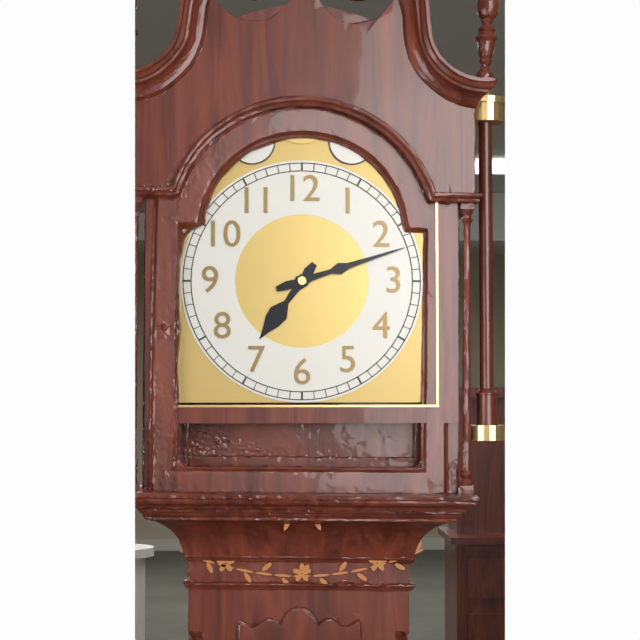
7:12
